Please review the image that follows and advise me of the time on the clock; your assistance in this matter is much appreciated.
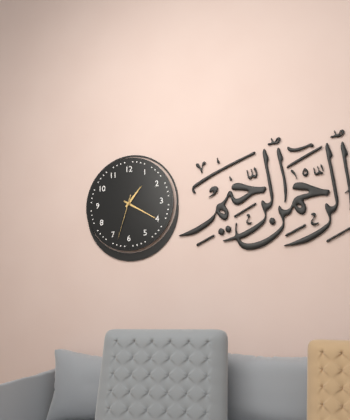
1:20
